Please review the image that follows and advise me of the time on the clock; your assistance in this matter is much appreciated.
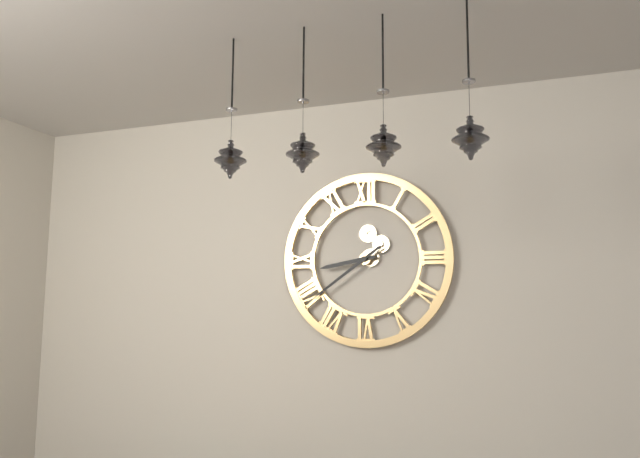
8:39
